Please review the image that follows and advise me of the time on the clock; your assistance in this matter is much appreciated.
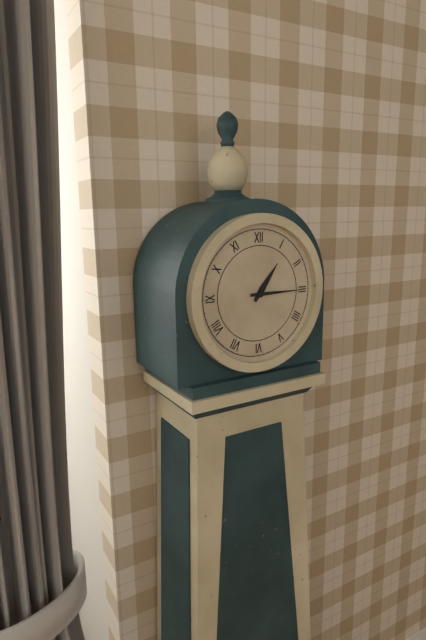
1:15
